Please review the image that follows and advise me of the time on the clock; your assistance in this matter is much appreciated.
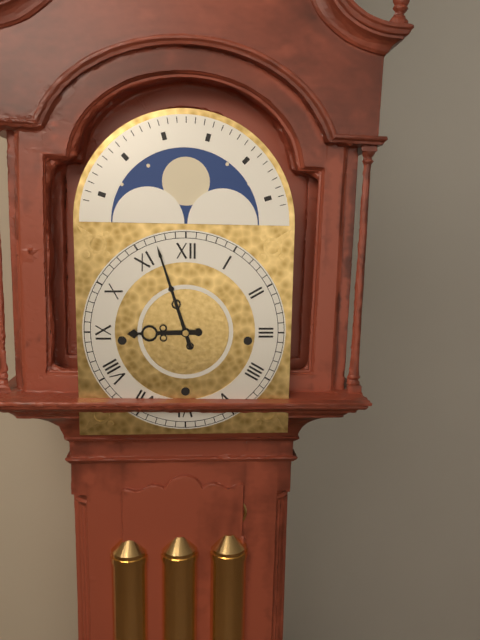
8:57
